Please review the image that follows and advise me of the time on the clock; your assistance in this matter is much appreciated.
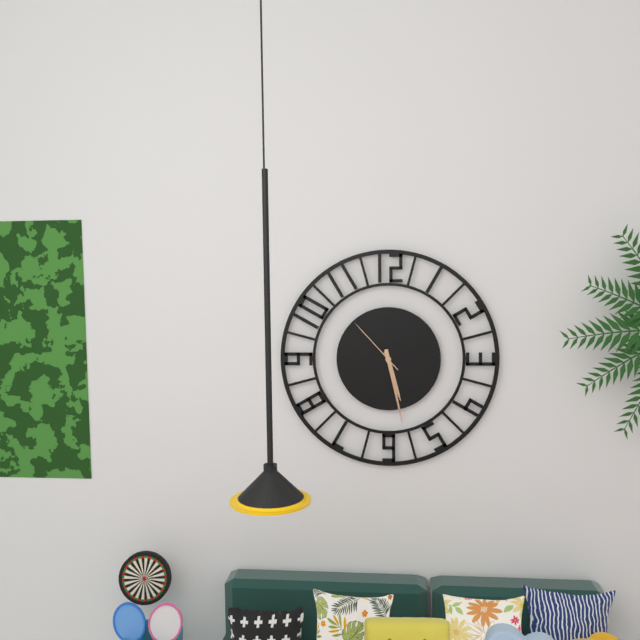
5:28:53
